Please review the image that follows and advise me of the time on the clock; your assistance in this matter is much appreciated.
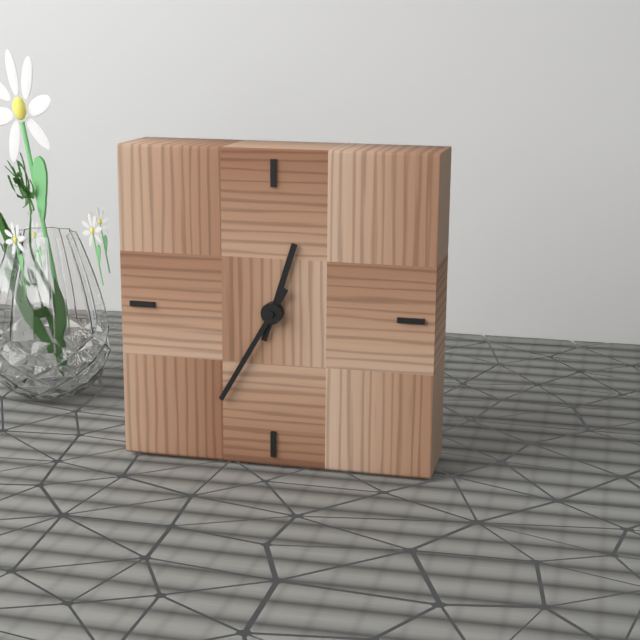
12:35
